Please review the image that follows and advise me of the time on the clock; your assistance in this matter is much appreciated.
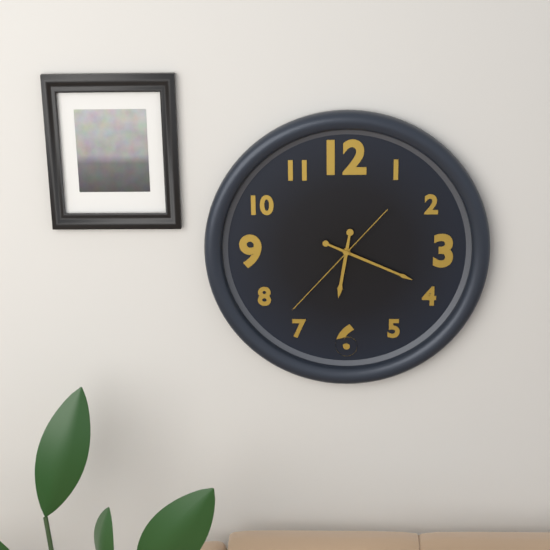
6:19:37
